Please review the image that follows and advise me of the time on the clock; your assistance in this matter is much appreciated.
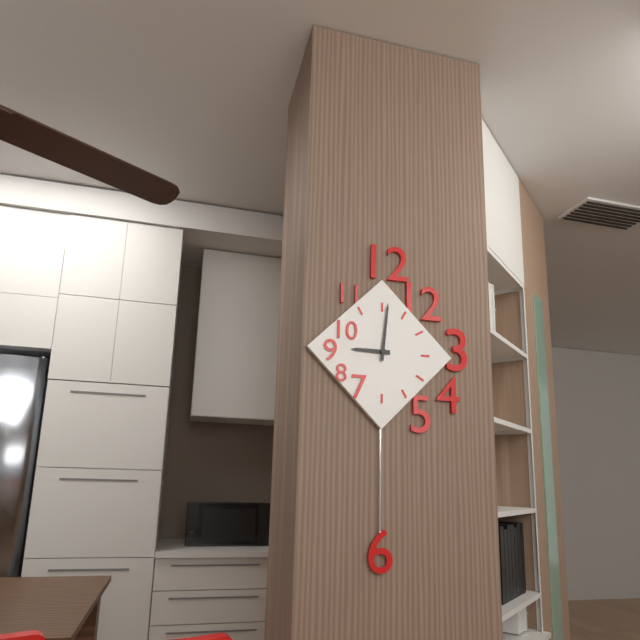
9:01
